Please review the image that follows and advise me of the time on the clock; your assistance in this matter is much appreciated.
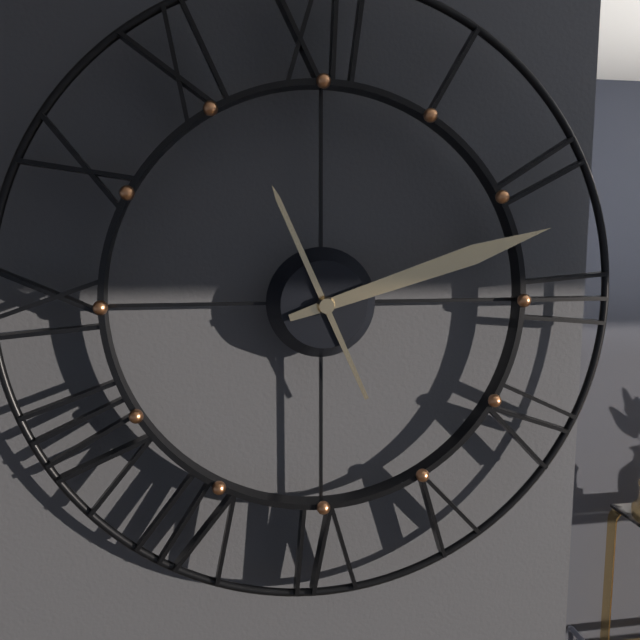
11:12
